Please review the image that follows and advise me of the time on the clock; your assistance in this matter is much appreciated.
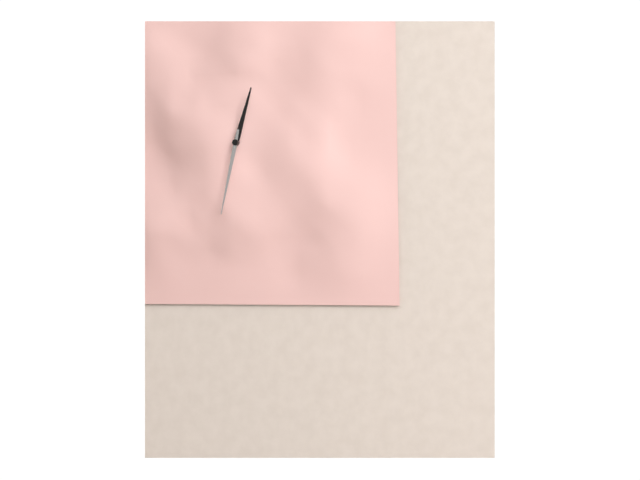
12:32
